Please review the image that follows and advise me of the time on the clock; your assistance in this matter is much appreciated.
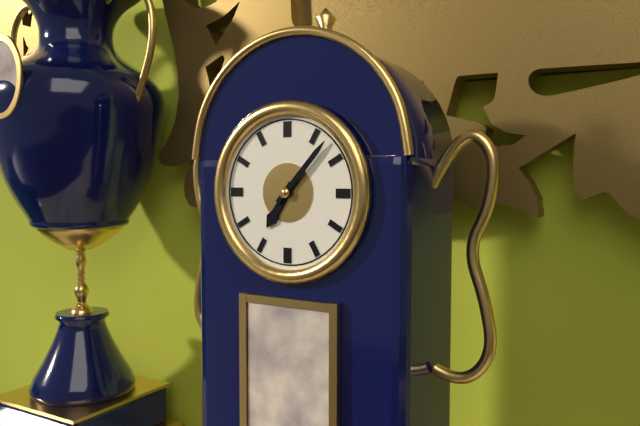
7:07
